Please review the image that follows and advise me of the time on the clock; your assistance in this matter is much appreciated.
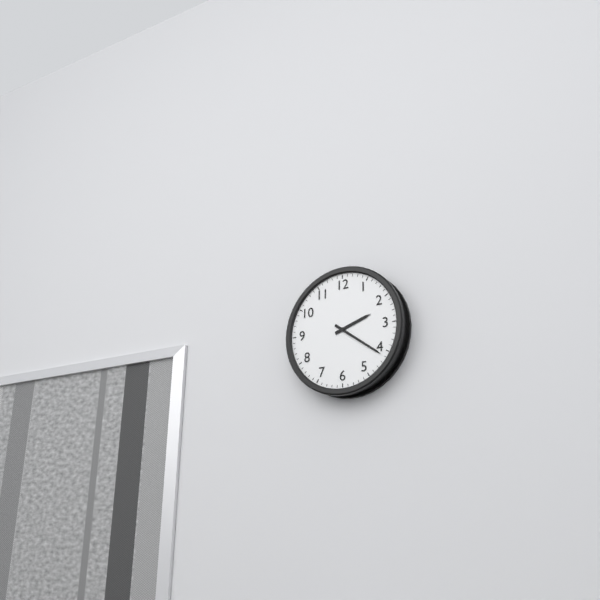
2:21
